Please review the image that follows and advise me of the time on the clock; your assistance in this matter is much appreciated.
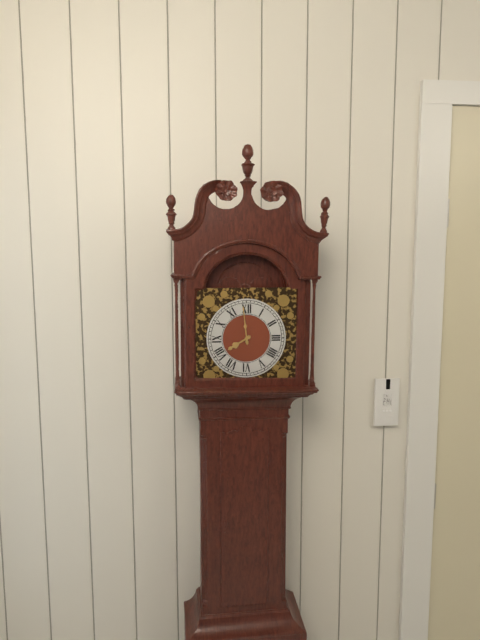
7:59
